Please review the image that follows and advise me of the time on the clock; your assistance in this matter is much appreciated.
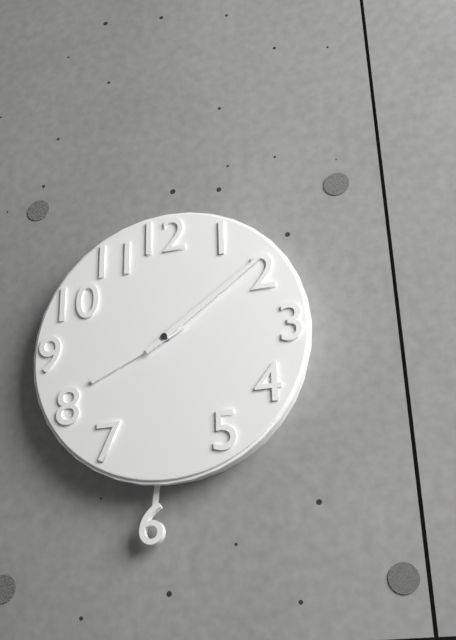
8:09
